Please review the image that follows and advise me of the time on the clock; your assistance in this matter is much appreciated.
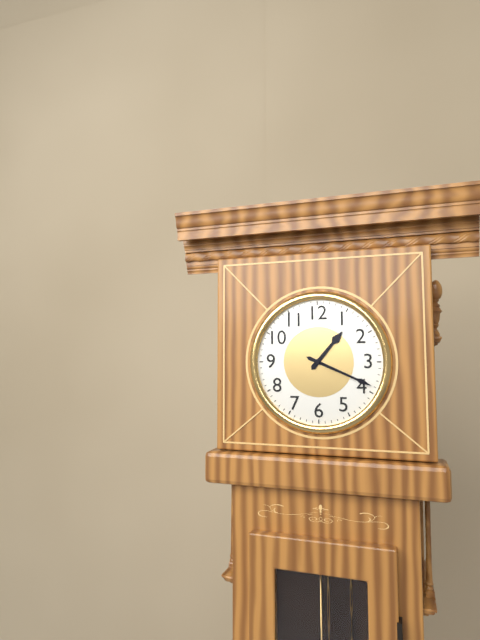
1:19
